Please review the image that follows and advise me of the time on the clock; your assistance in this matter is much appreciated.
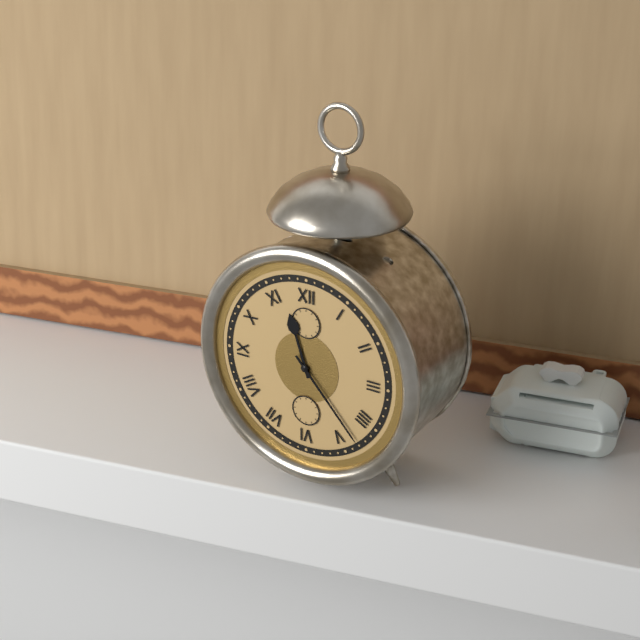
11:23
